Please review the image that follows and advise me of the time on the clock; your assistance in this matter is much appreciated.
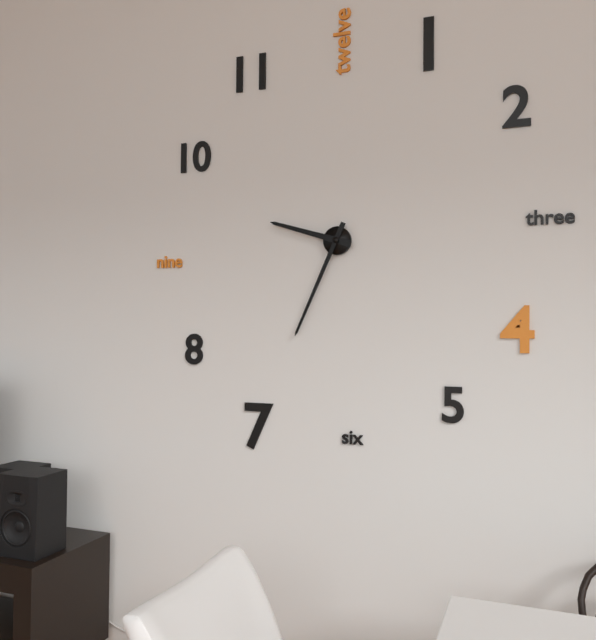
9:34
